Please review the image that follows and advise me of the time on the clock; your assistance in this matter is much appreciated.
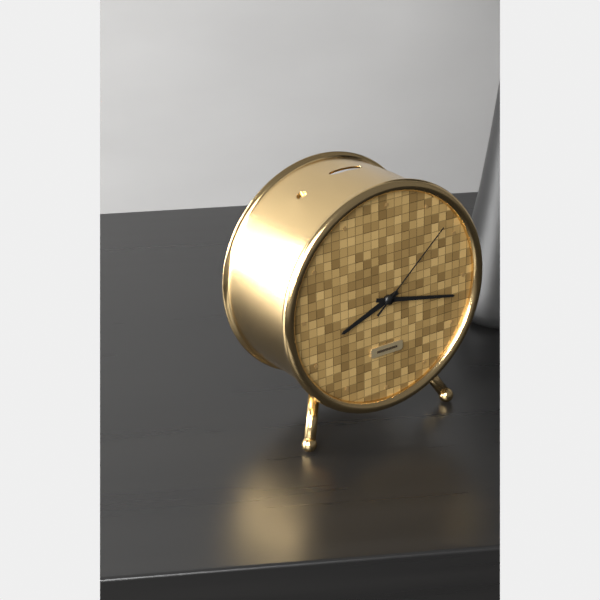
8:17:08
